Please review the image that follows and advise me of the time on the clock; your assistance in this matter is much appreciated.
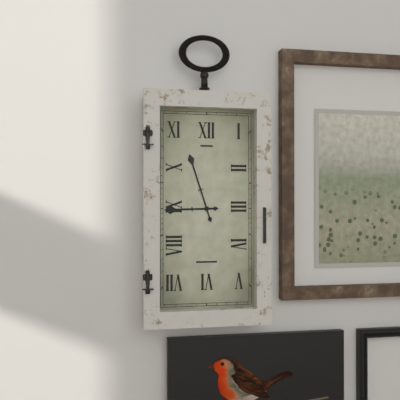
8:57
